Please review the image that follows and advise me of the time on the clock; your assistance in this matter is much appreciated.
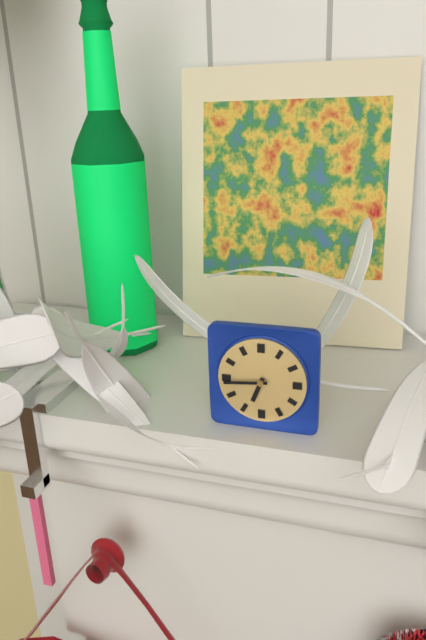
6:44
